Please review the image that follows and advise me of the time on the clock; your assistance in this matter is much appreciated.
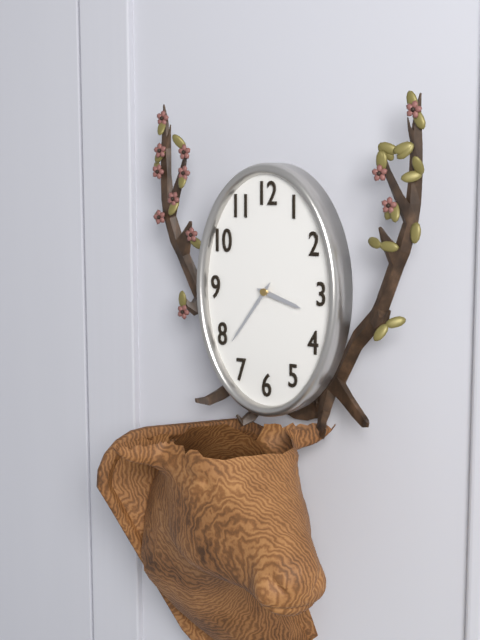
3:36
